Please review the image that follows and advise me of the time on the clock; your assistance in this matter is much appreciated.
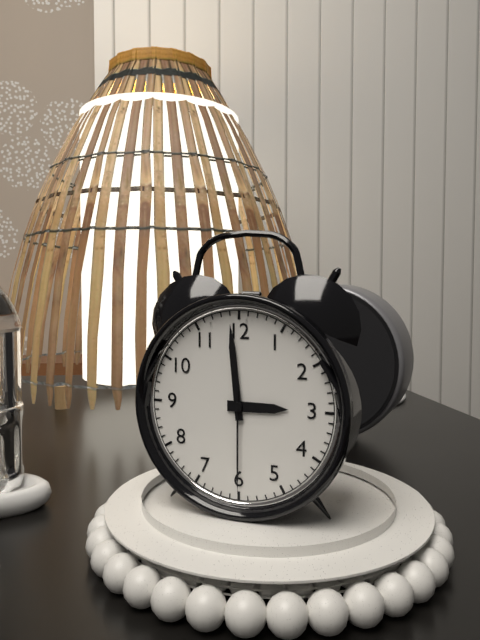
2:59:30
